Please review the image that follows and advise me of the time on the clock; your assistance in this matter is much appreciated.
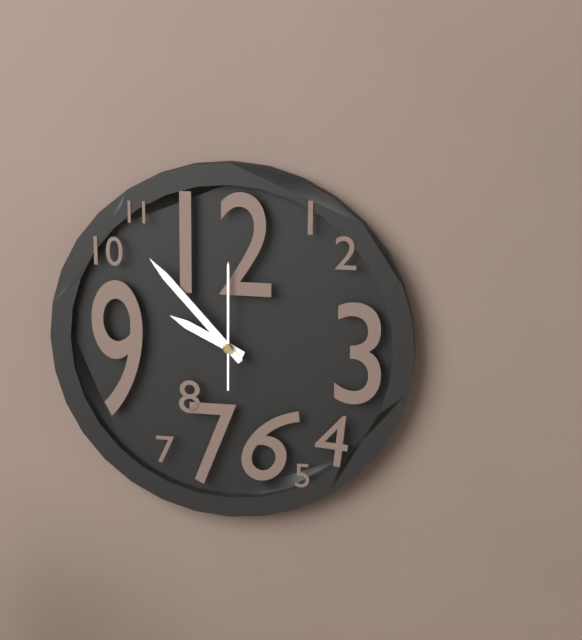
9:53:00
